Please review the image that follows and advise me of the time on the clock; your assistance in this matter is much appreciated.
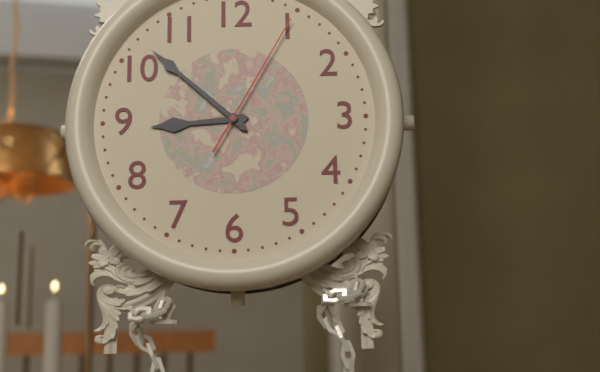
8:52:05
